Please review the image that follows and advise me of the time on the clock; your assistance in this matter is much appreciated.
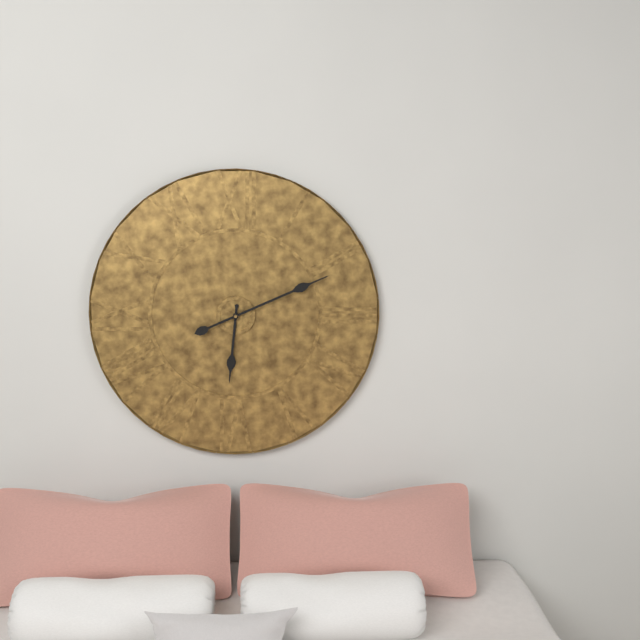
6:11
